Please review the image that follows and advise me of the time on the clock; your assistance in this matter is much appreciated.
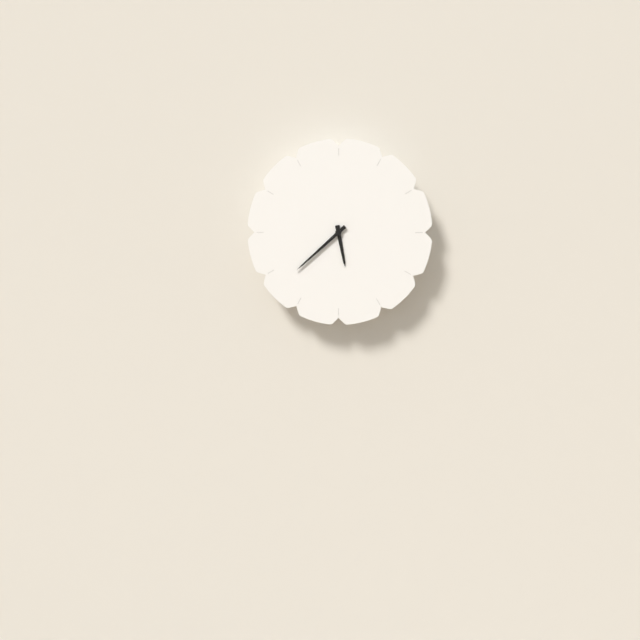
5:38
